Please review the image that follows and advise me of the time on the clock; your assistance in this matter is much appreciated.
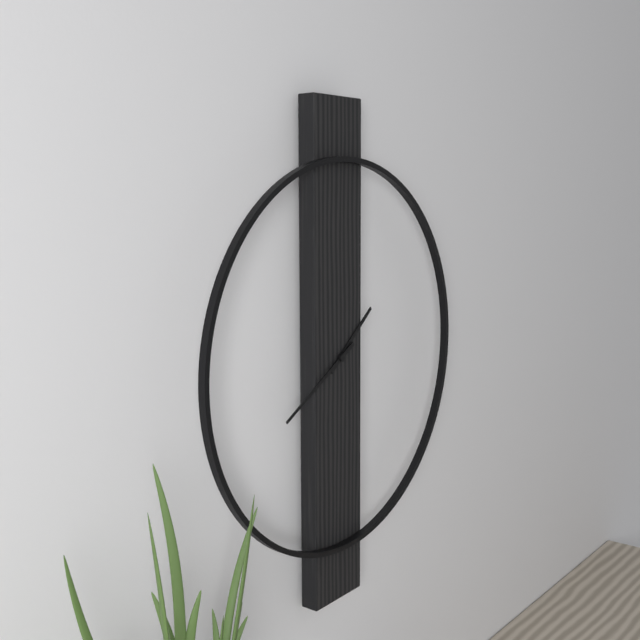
1:40
